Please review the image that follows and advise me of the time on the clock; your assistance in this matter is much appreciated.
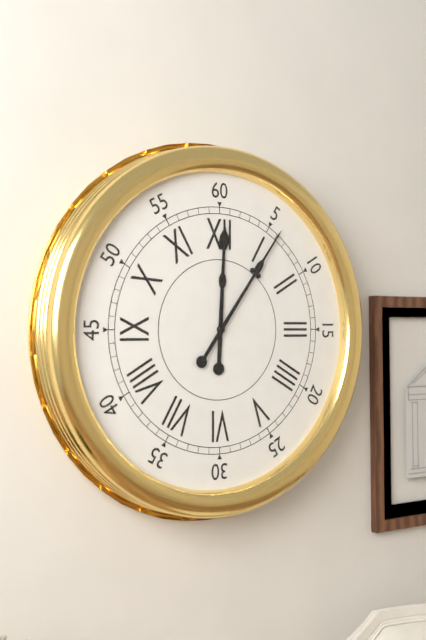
12:06
